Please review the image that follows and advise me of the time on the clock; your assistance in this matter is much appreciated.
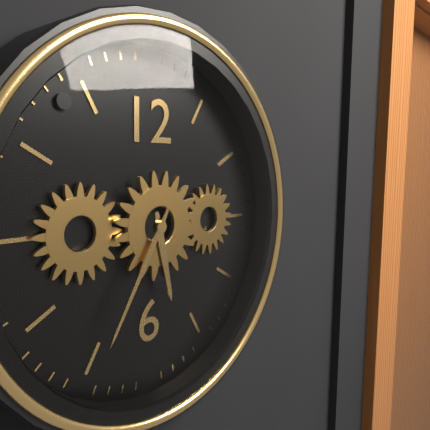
5:35
